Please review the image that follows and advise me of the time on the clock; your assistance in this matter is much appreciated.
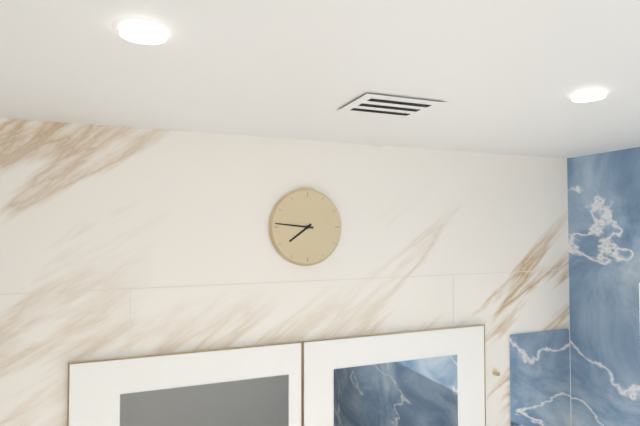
7:46
